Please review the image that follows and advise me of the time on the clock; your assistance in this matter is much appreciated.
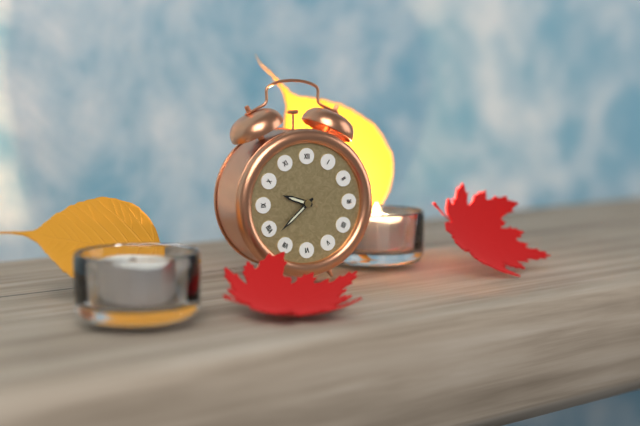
9:38
